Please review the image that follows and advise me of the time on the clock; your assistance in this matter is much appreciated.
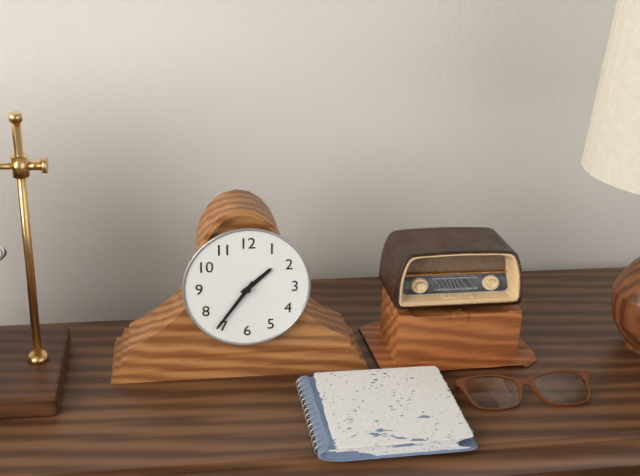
1:36
